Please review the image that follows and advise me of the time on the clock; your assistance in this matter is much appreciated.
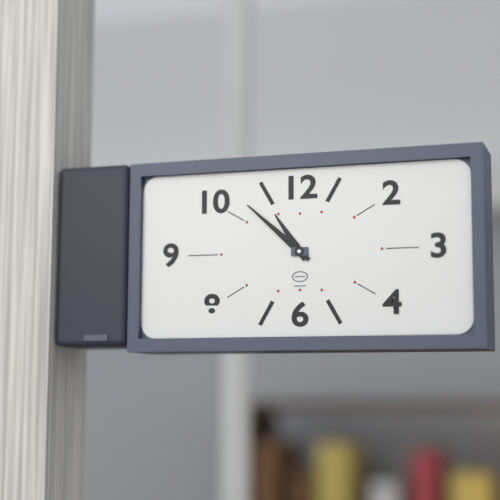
10:52
